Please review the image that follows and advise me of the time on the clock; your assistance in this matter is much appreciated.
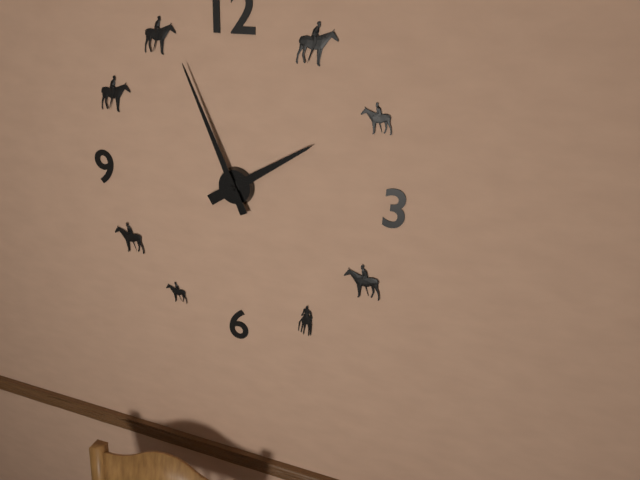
1:56
